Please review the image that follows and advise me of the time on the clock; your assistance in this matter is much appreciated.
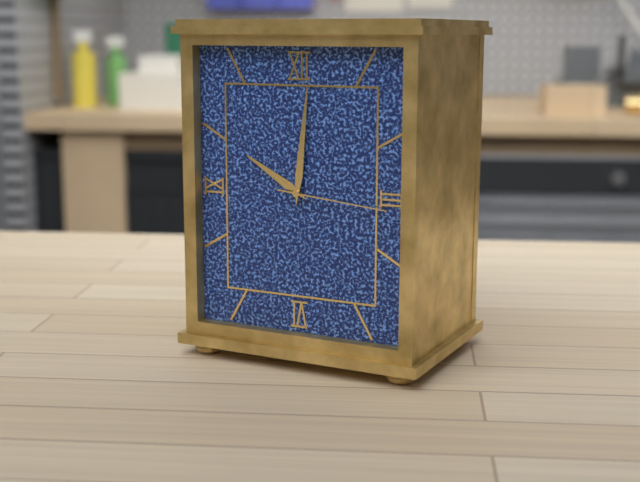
10:01:16
